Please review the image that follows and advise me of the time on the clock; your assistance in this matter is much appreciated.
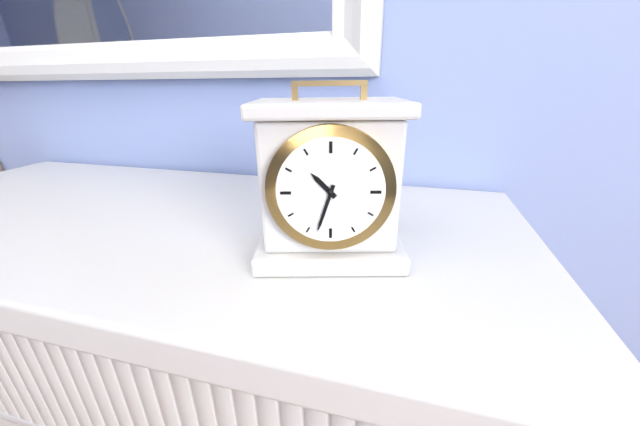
10:33
